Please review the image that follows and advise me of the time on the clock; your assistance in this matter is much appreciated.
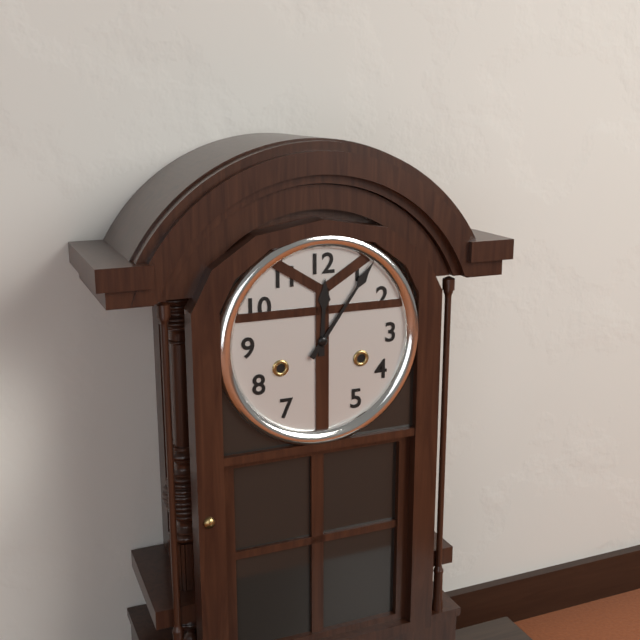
12:06
